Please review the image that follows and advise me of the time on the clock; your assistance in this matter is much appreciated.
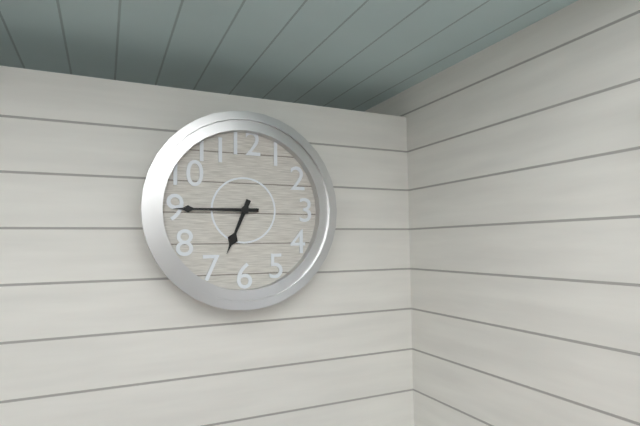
6:45
